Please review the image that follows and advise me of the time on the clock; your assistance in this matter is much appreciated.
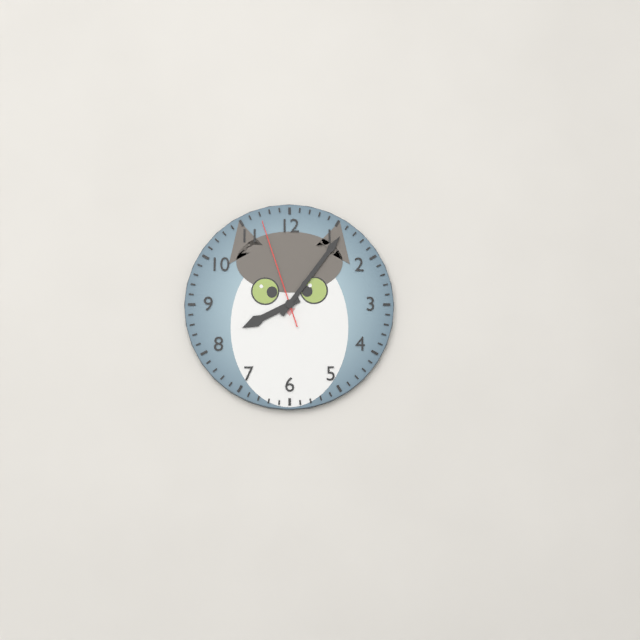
8:06:57
